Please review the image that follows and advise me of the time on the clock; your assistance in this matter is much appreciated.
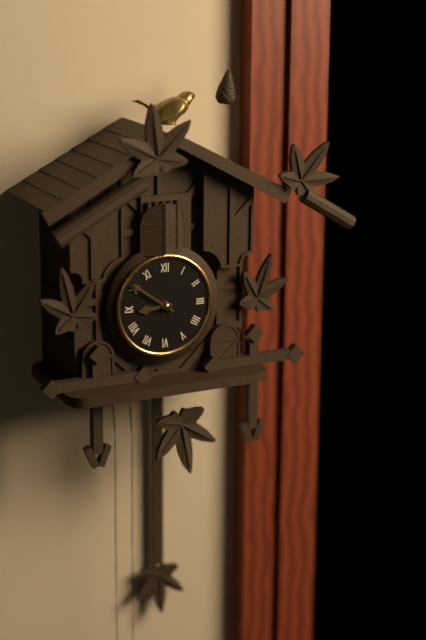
8:51
